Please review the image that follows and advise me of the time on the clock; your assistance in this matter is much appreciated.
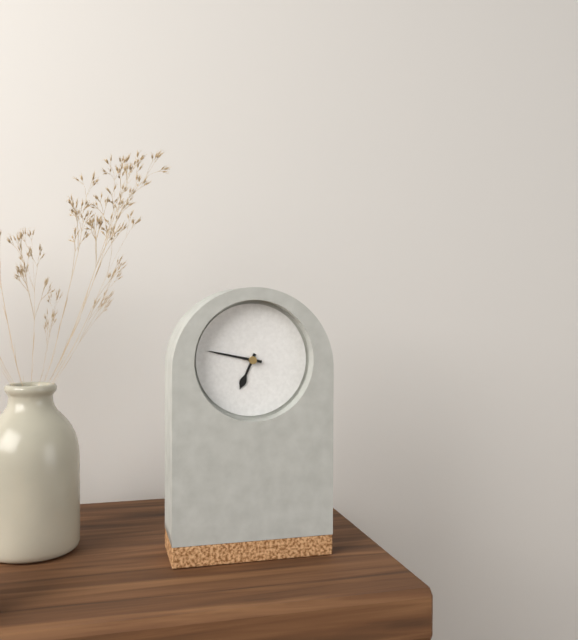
6:47
